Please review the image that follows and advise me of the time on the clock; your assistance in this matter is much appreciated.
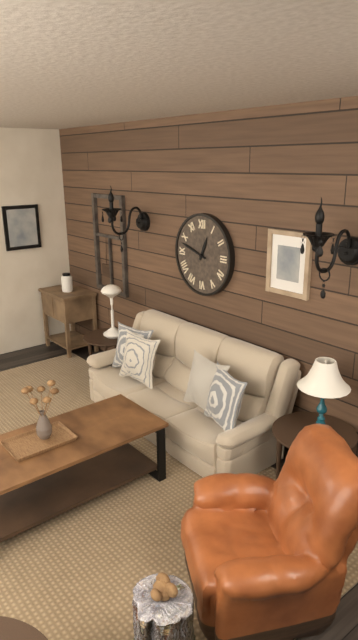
12:48
